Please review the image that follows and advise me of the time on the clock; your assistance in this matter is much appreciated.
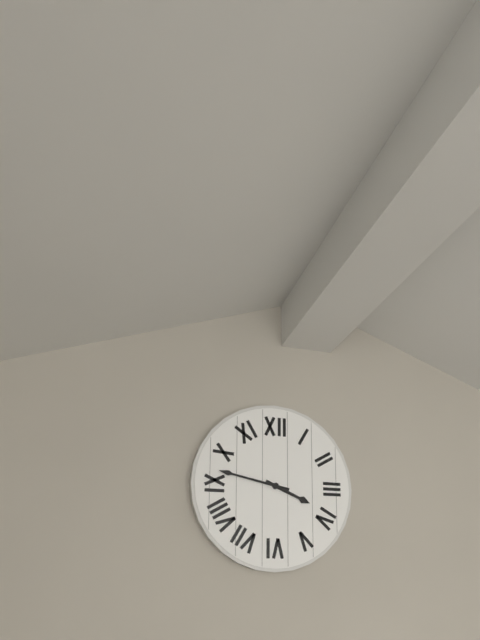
3:47
